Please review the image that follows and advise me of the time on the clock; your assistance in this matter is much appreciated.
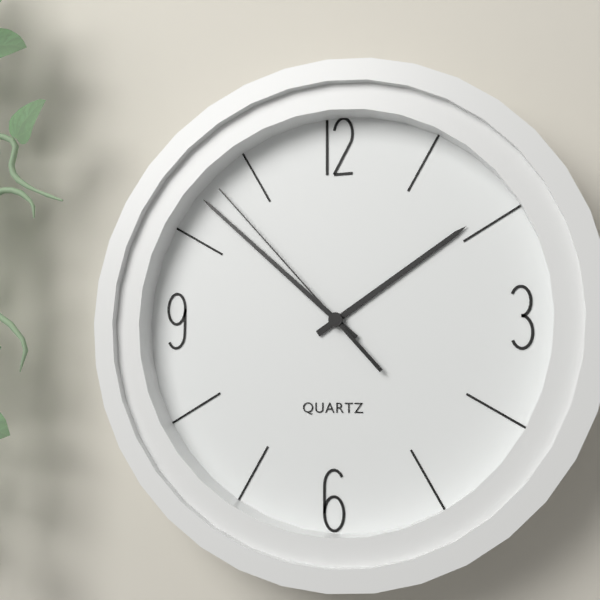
1:52:53
